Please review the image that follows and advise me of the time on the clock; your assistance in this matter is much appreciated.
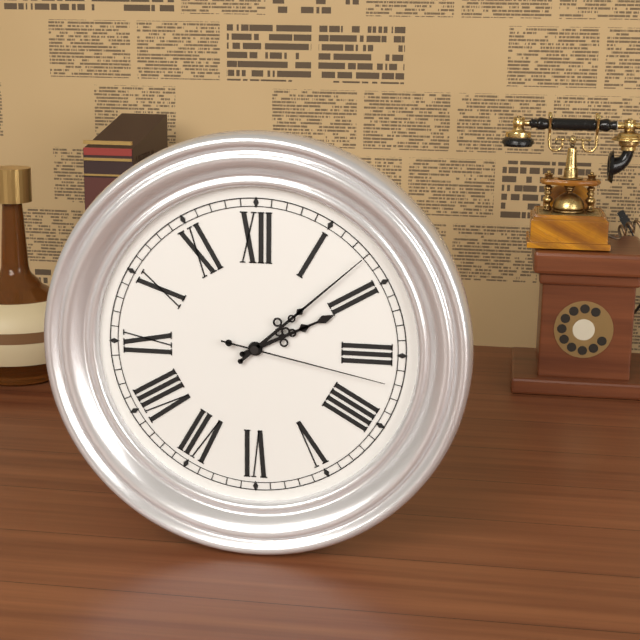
2:08:17
